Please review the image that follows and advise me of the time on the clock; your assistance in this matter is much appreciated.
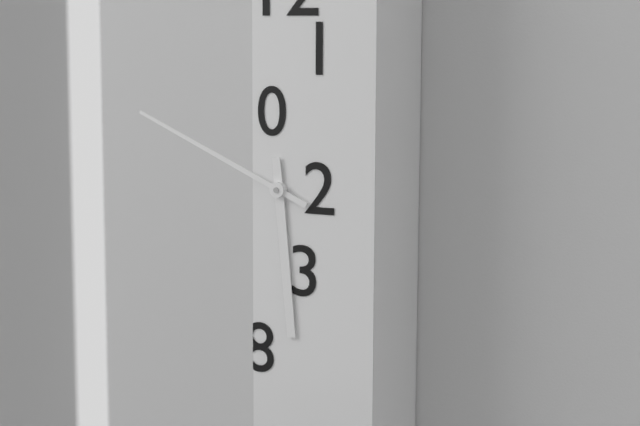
5:49
